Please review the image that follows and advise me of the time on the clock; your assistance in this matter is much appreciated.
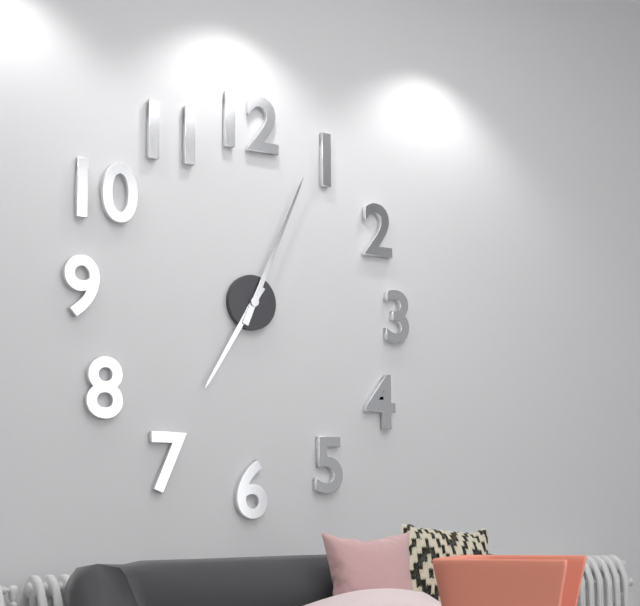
7:04
